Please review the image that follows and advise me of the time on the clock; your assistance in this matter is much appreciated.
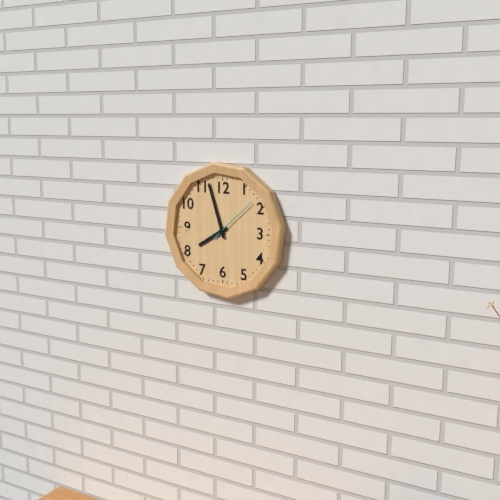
7:57:08
